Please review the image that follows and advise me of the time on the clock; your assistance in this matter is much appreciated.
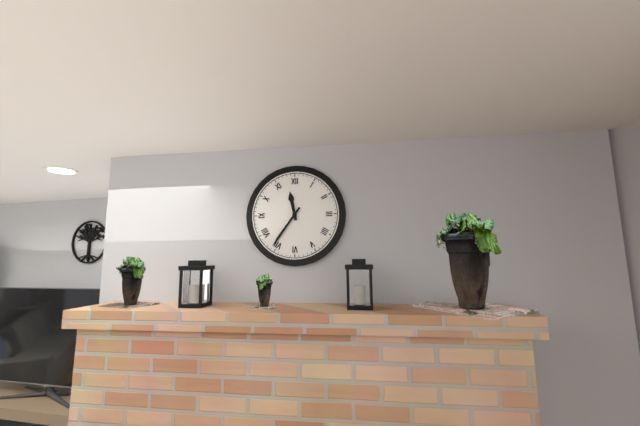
11:36
